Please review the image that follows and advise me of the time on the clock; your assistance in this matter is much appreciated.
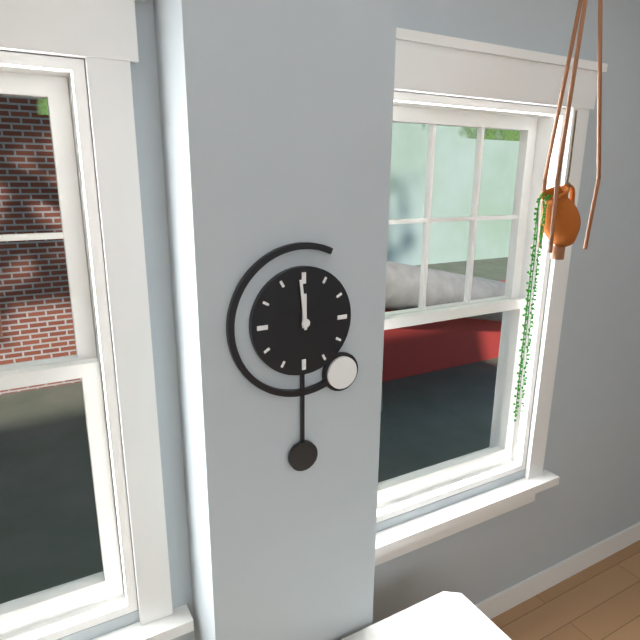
11:59
